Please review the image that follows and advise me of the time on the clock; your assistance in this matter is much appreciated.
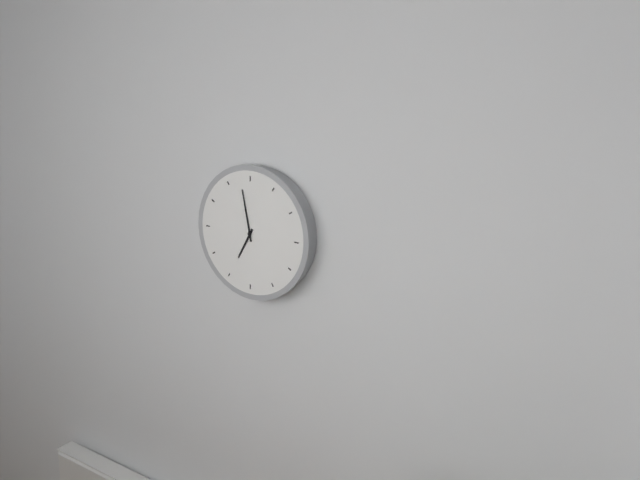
6:58
